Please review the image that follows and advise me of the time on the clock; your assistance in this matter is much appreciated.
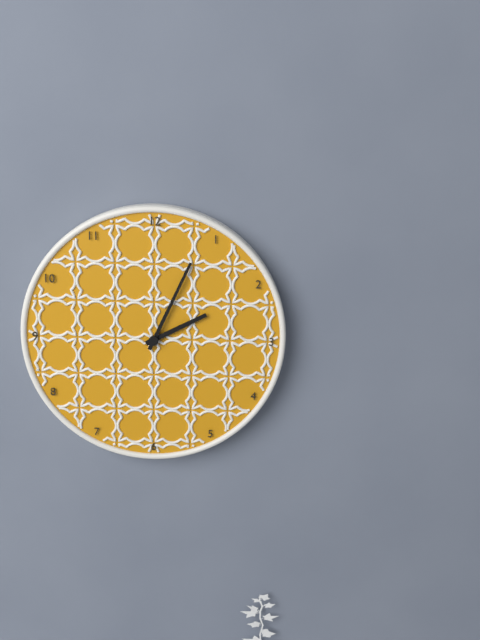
2:04
